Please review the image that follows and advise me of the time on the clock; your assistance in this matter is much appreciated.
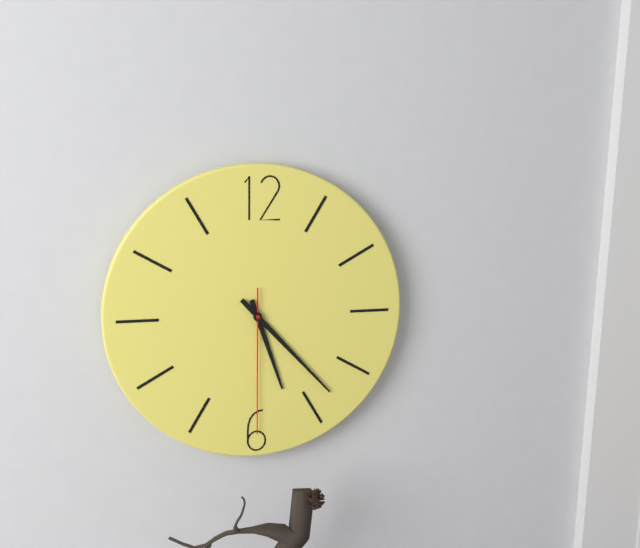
5:23:30
